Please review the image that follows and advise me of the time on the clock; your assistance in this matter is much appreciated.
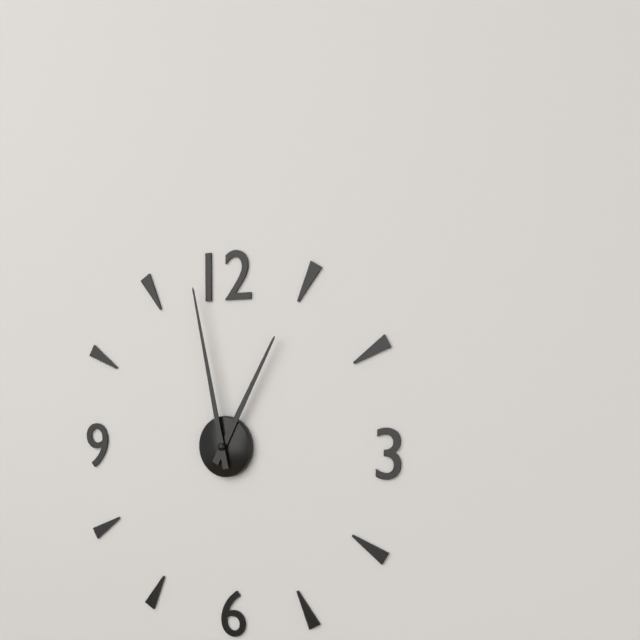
12:58
